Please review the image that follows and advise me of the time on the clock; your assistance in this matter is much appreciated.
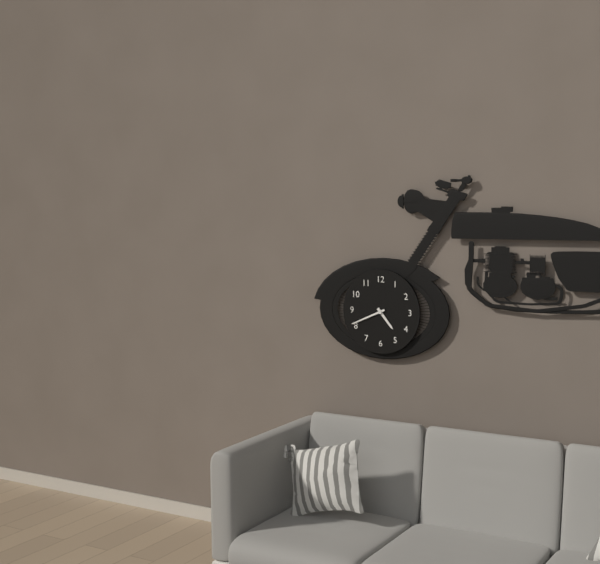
4:41
